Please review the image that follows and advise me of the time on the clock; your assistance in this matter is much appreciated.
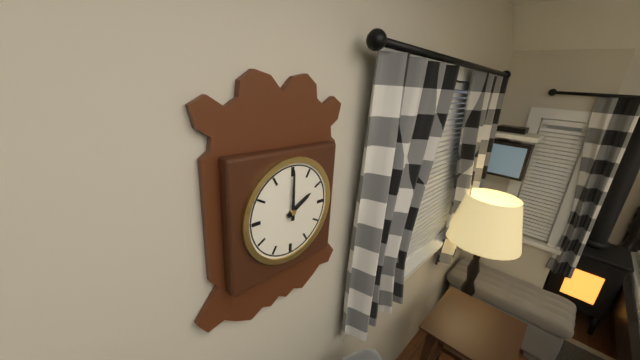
2:00
